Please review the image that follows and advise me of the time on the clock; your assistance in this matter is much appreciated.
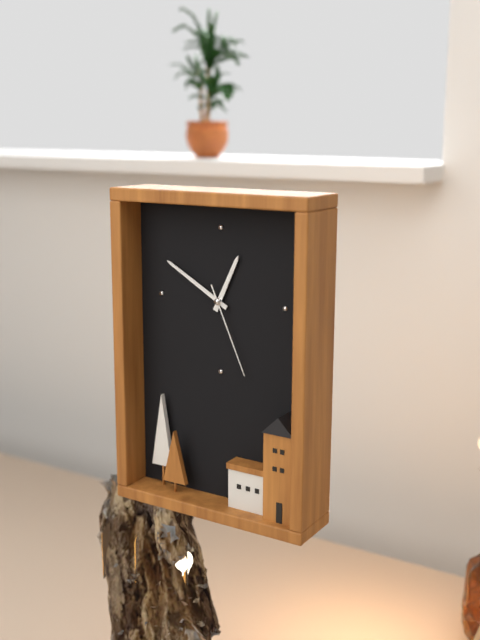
12:50:26
